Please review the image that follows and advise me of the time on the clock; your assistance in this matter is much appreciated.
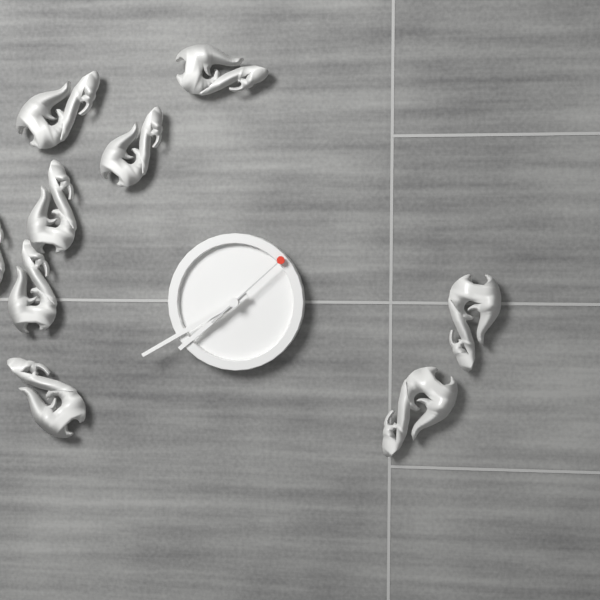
7:40:08
